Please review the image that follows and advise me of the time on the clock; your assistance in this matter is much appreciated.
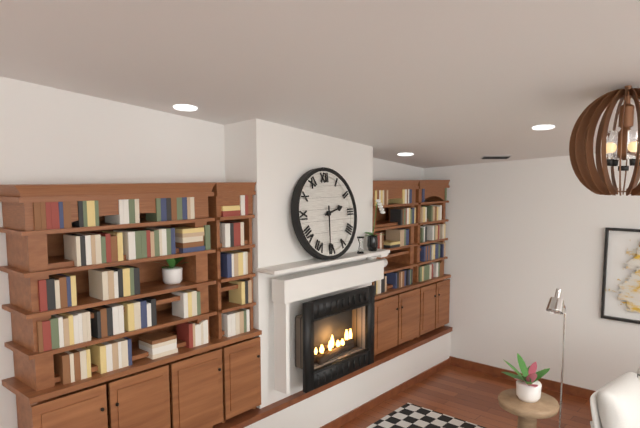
2:31
